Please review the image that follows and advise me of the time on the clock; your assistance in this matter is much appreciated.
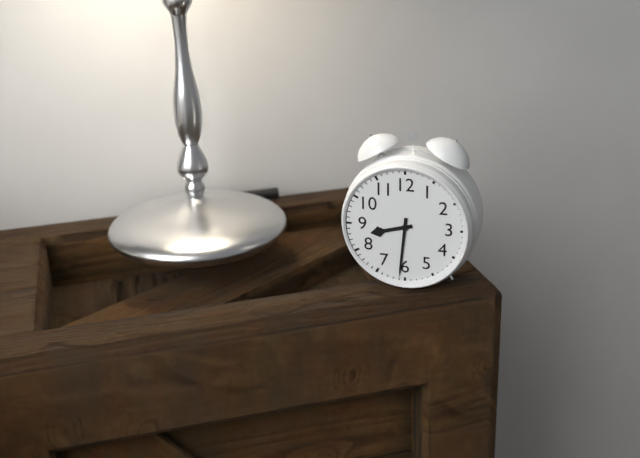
8:31
